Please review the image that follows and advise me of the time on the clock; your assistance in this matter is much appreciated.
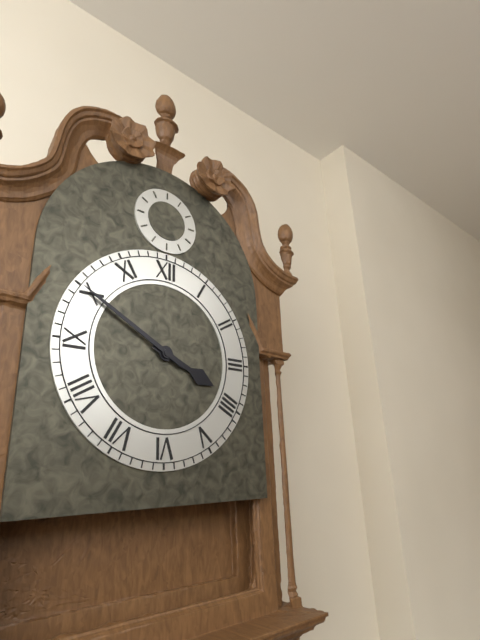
3:50
